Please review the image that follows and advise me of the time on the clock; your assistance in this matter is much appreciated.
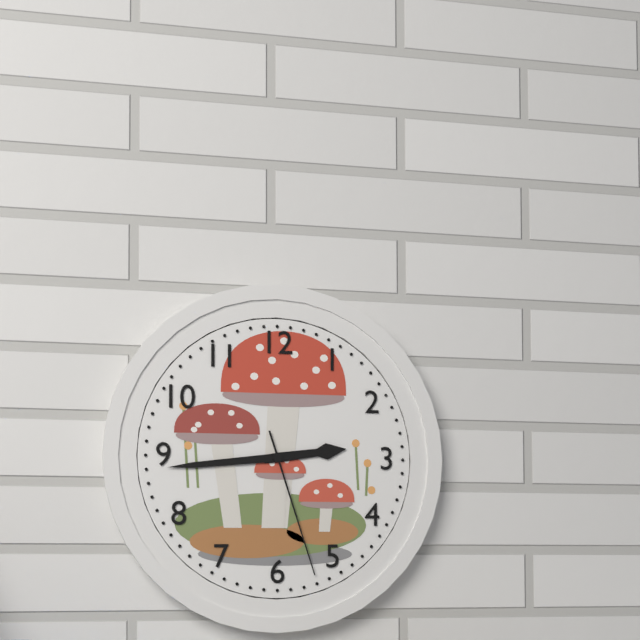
2:44:27
